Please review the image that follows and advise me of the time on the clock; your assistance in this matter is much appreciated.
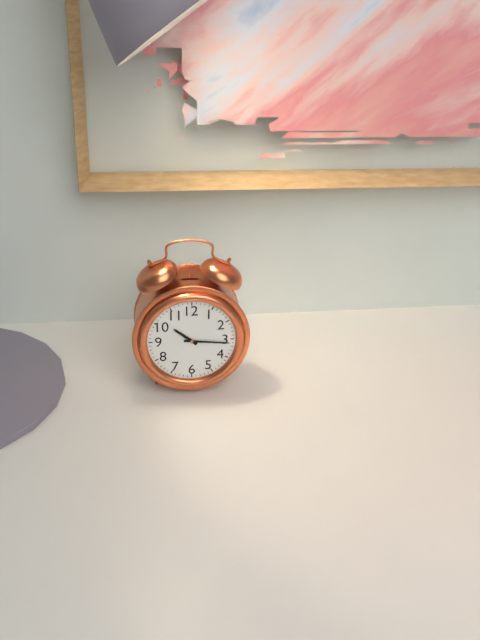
10:16
